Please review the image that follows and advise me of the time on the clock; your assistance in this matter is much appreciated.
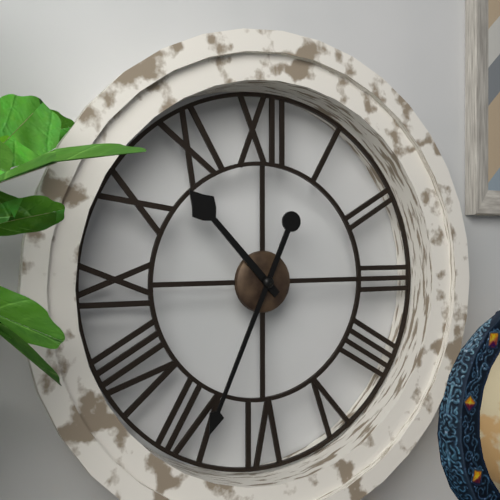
10:34
